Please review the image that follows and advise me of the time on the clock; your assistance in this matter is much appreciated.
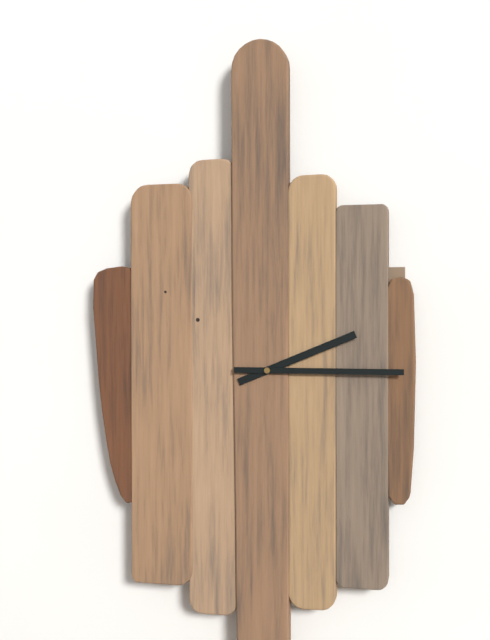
2:15
